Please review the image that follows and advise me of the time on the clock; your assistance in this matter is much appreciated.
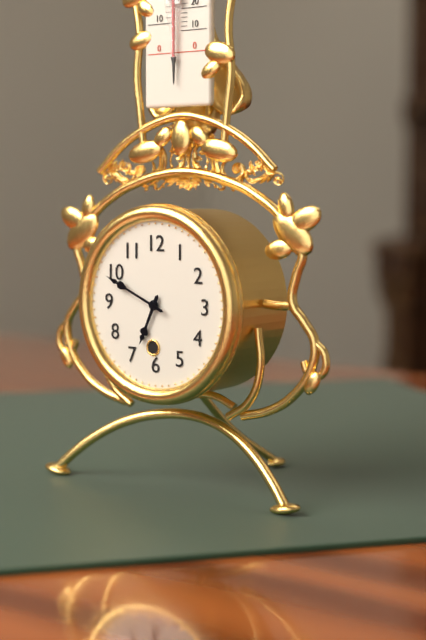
6:49
